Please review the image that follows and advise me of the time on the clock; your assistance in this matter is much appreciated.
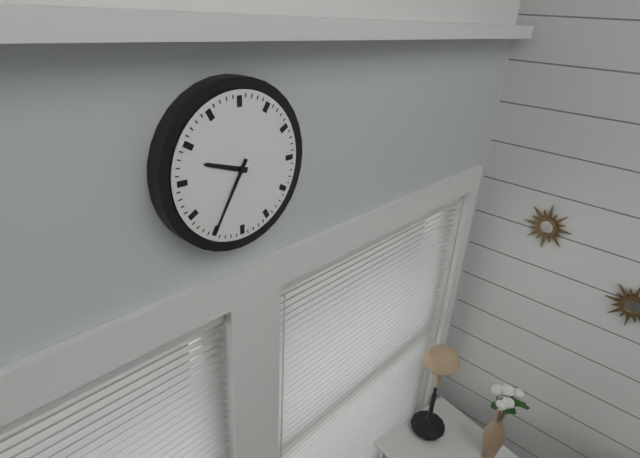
9:35
